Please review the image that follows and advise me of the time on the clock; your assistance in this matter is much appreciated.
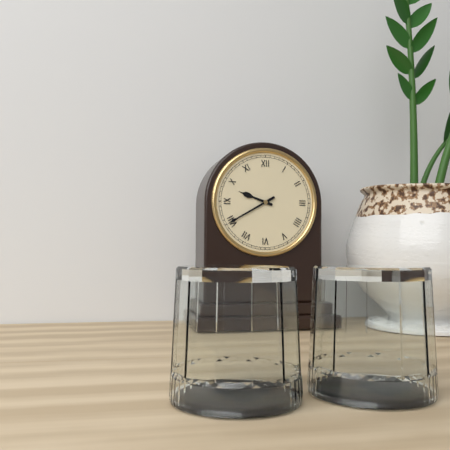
9:40
